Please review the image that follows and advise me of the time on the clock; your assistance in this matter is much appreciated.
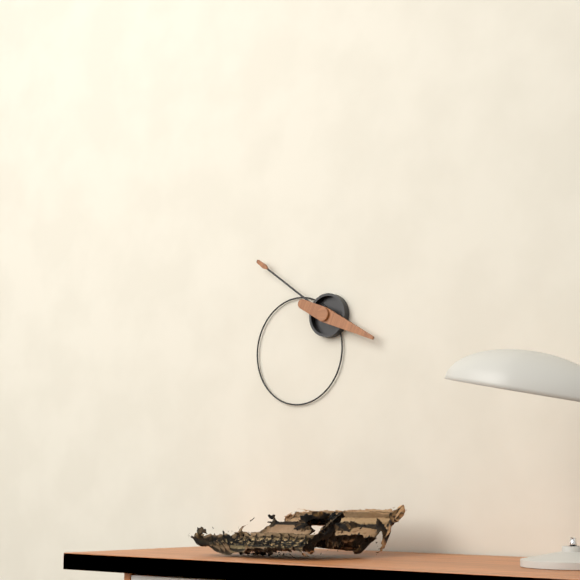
3:51
